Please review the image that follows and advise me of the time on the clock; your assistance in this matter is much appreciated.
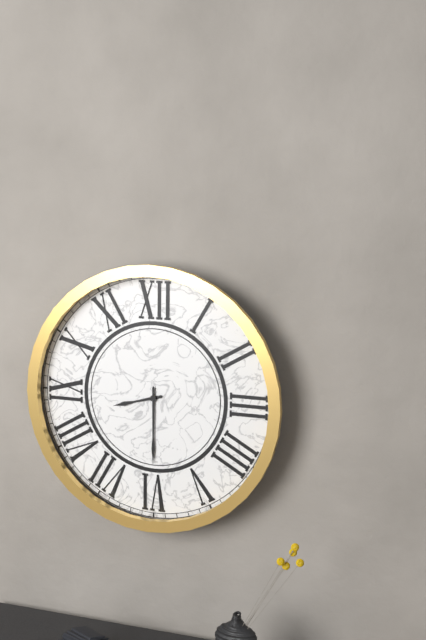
8:30
